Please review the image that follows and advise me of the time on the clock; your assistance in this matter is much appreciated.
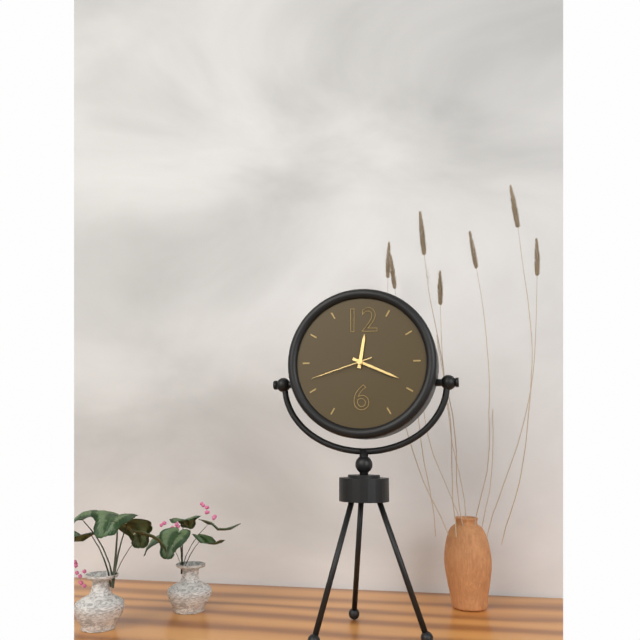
12:19:42
